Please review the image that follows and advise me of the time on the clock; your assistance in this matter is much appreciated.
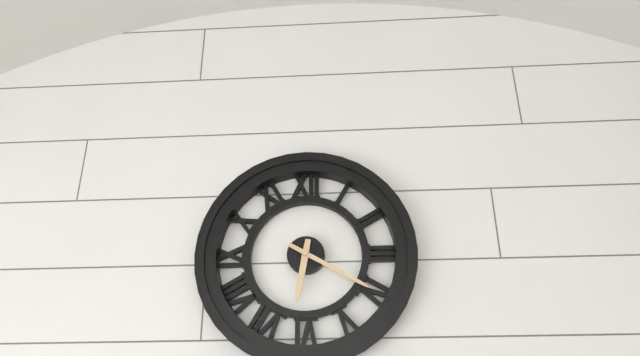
6:20
